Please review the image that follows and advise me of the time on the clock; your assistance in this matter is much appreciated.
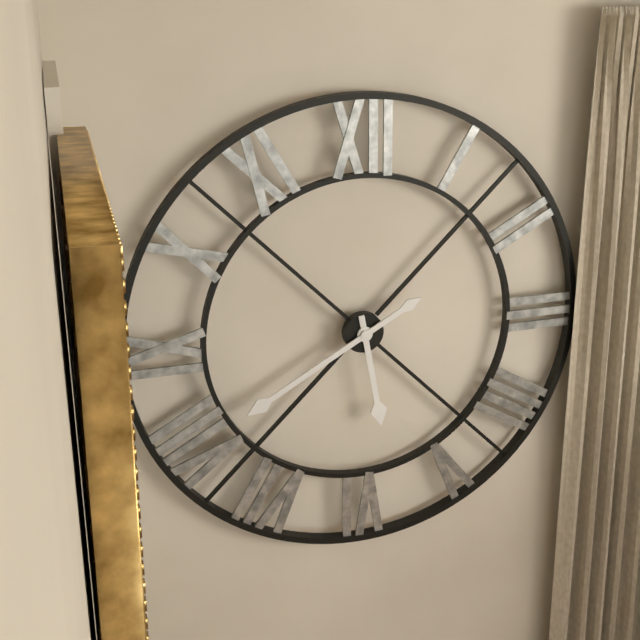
5:40
